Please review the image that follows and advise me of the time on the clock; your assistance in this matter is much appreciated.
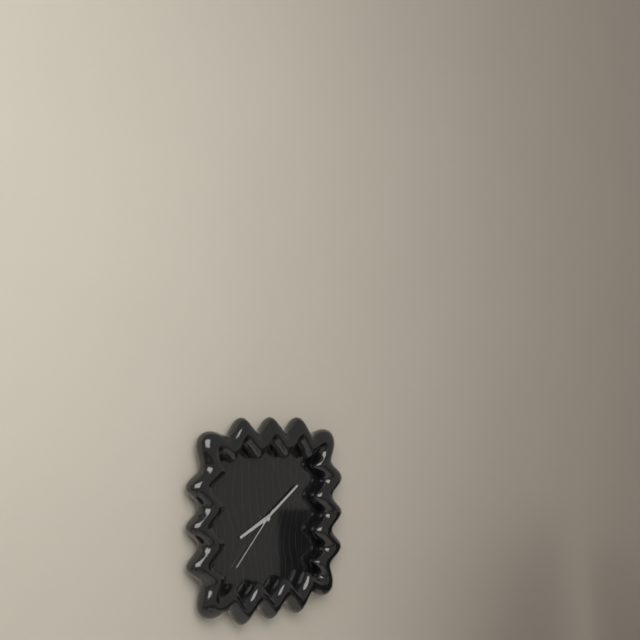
8:09:37
